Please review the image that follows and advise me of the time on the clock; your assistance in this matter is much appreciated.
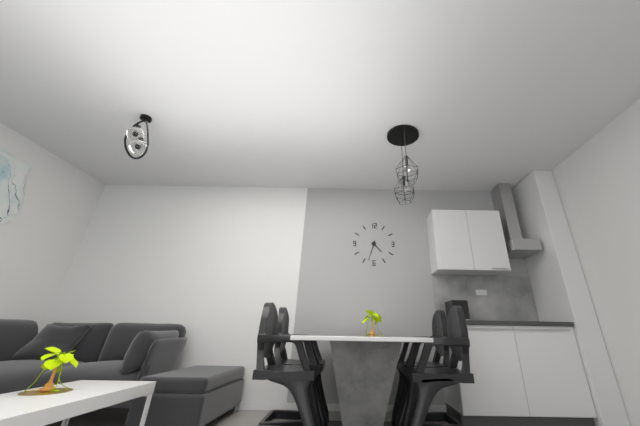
4:33
